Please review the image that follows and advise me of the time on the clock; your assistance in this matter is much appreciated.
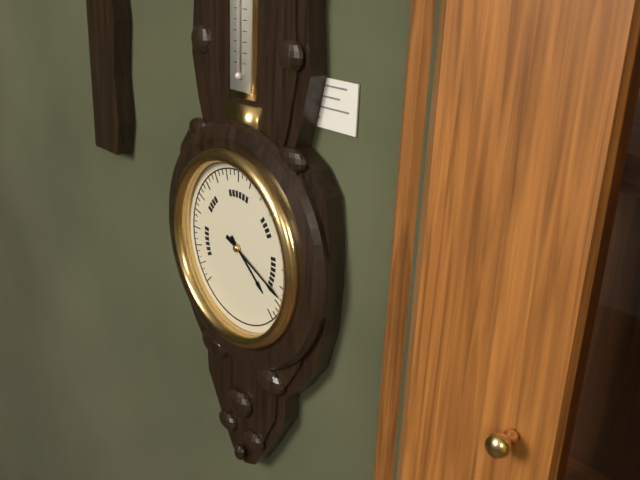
4:19
